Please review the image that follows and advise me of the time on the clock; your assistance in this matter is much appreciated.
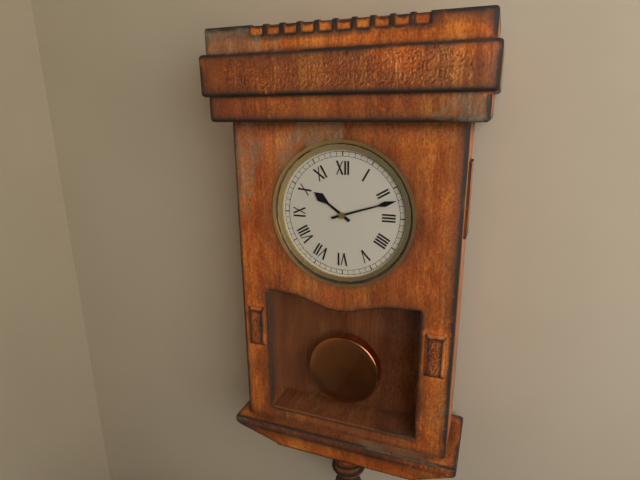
10:12
